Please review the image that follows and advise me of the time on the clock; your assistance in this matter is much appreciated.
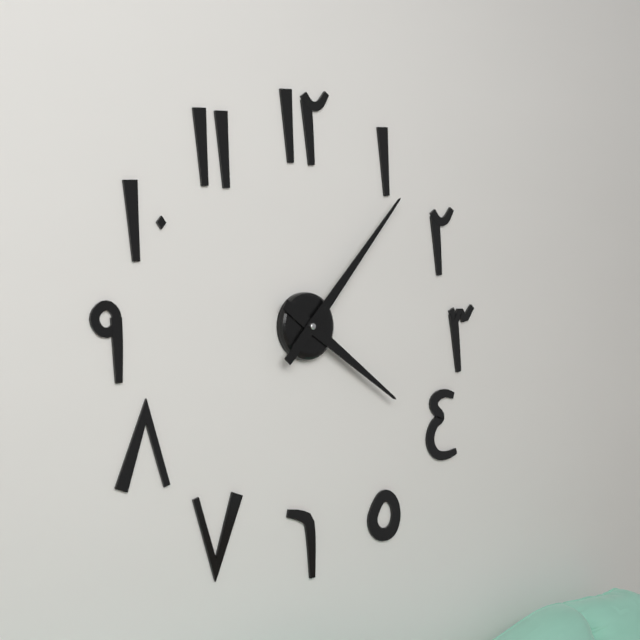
4:07
